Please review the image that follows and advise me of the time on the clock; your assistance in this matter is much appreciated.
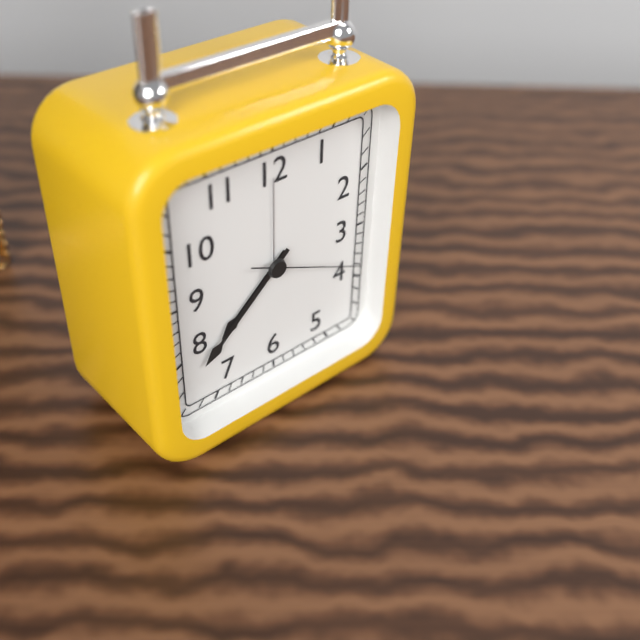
7:38:19
